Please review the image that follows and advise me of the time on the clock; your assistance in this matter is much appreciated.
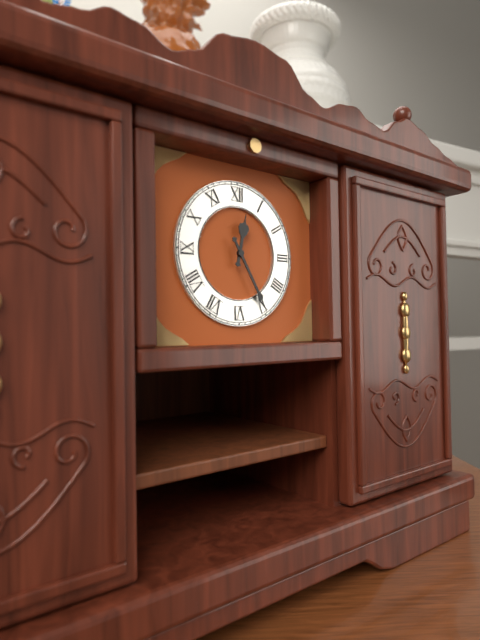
12:25
